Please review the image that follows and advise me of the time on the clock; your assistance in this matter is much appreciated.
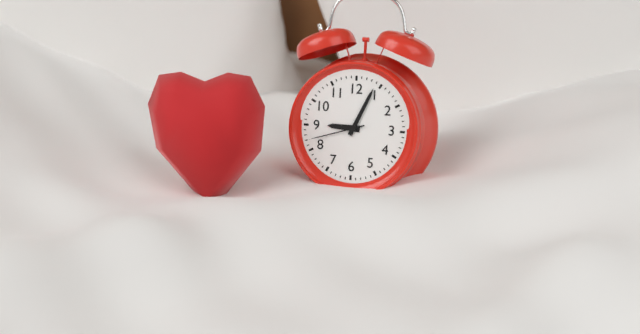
9:04:42
